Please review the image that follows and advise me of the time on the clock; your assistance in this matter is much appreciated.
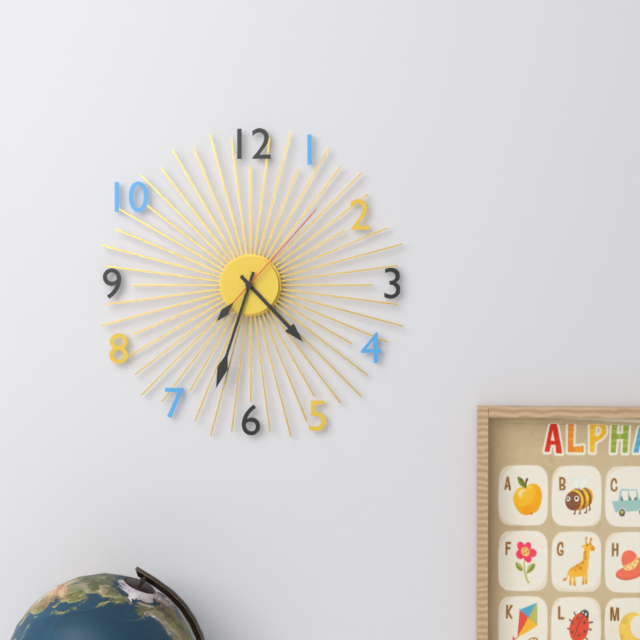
4:33:07
